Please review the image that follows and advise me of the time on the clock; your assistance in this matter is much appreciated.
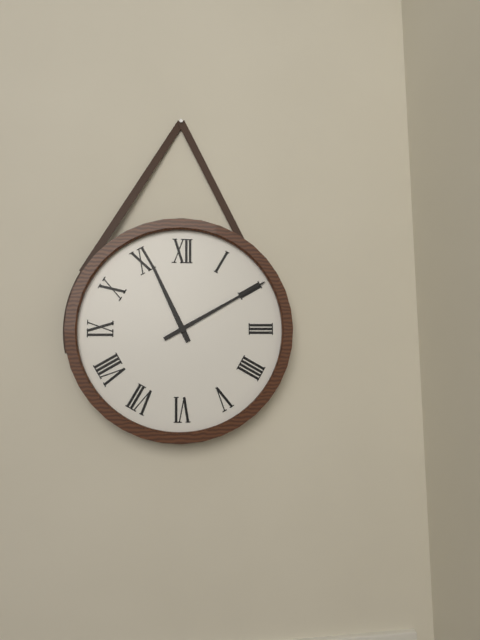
11:10
